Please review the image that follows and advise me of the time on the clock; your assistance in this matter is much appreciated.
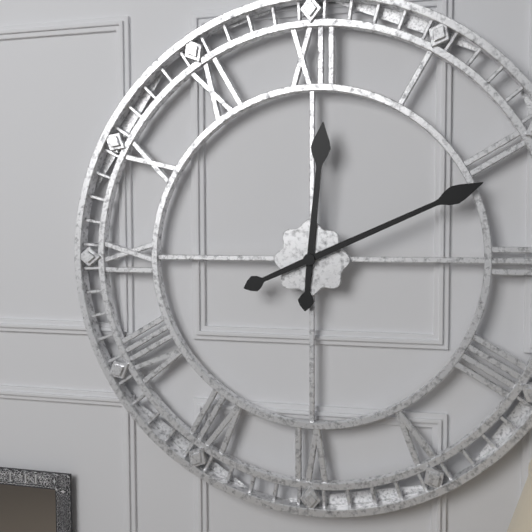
12:11
